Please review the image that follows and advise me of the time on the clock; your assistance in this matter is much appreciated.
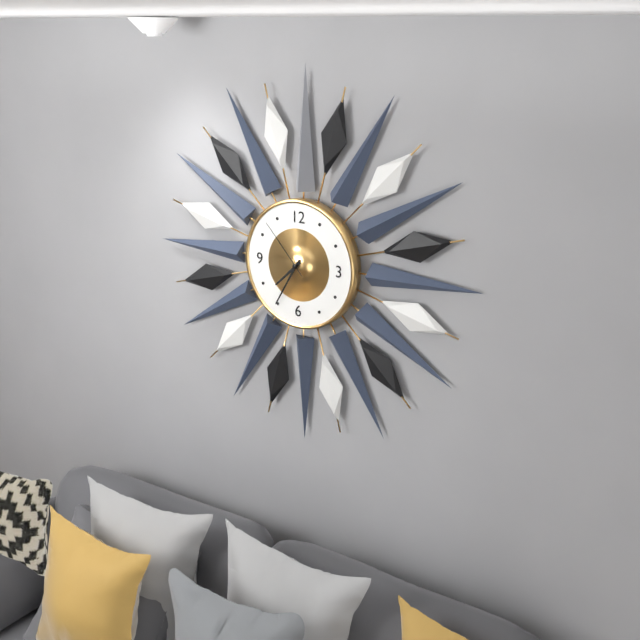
7:35:53
